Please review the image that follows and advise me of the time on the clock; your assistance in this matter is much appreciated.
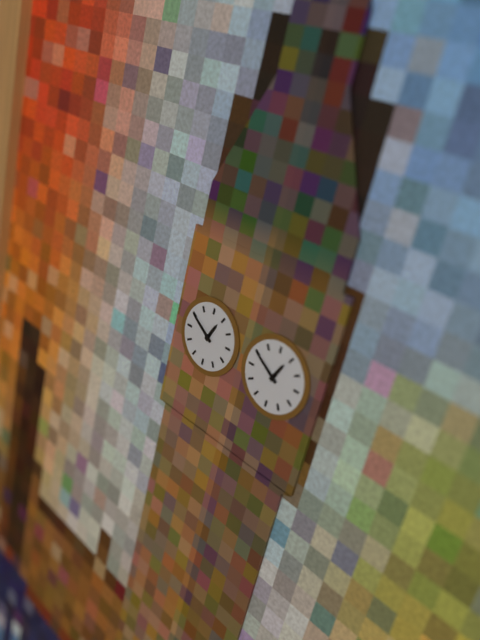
12:50
